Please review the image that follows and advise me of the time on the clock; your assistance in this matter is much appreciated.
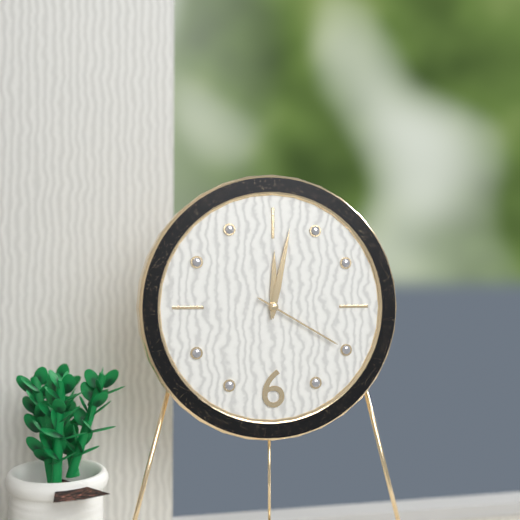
12:02:20
